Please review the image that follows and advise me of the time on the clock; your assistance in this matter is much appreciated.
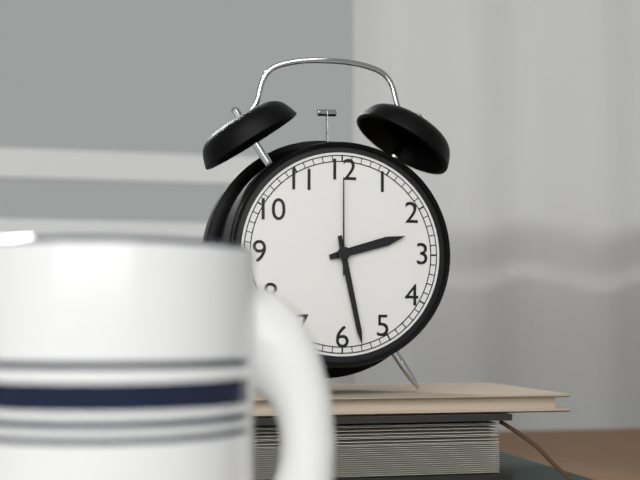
2:28:00
